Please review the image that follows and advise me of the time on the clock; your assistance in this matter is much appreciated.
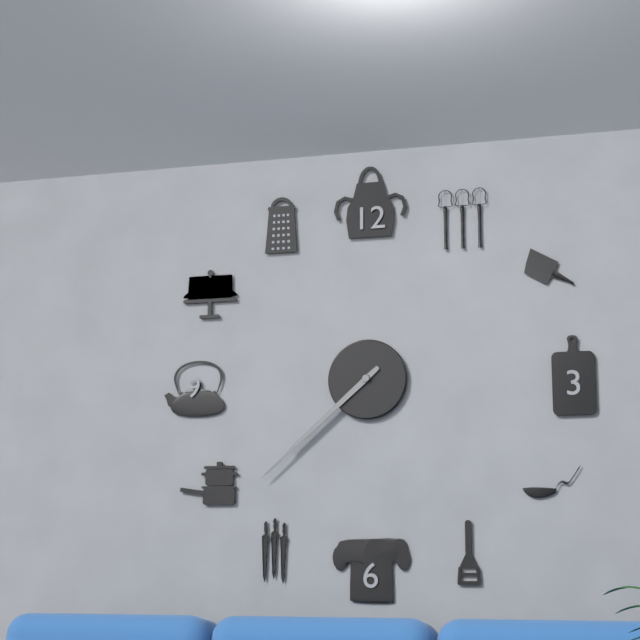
7:38
